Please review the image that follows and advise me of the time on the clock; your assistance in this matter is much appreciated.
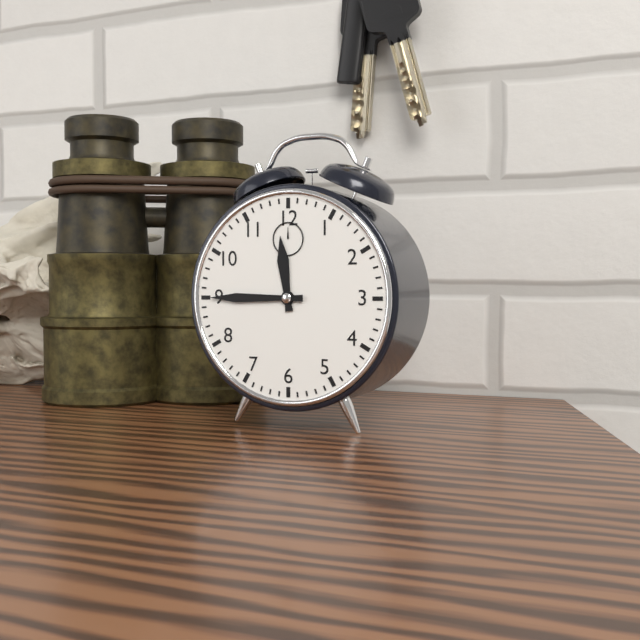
11:45
